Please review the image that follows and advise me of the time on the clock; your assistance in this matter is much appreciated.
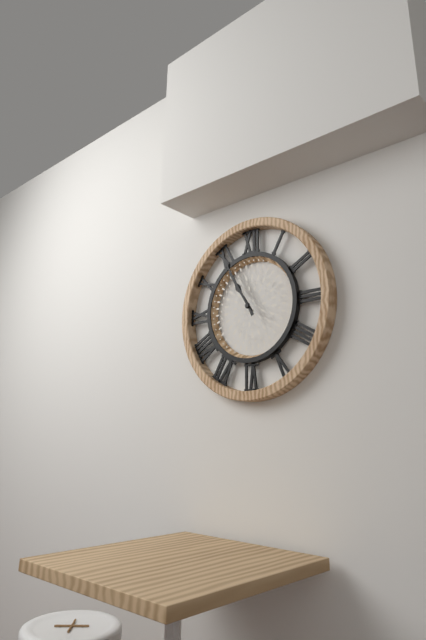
10:55
